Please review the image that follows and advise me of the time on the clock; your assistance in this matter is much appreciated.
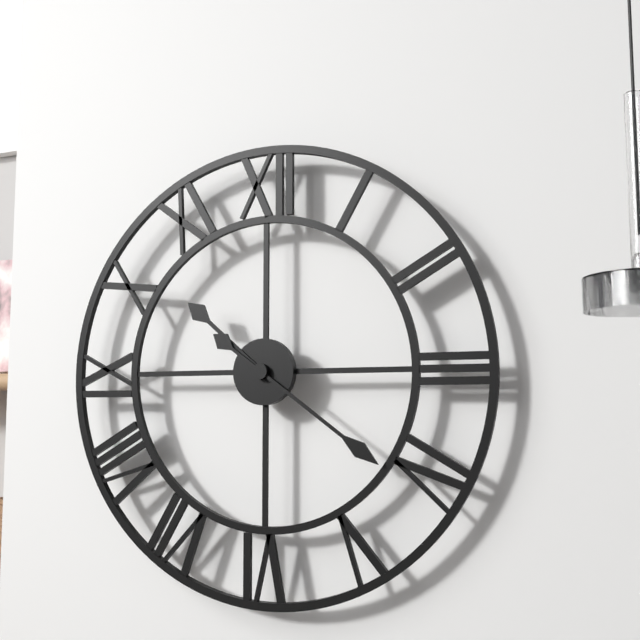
10:21
